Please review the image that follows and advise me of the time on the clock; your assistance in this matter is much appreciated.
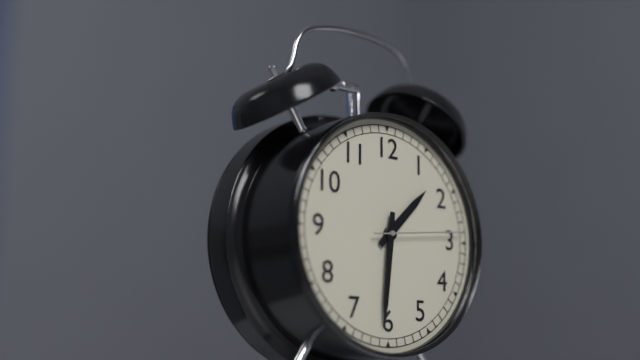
1:31:14
